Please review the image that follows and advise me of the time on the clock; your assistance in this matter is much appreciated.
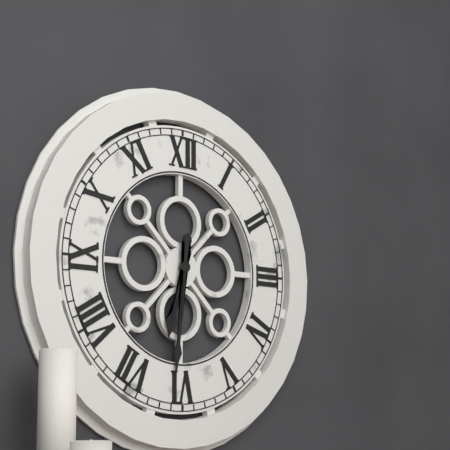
6:31
